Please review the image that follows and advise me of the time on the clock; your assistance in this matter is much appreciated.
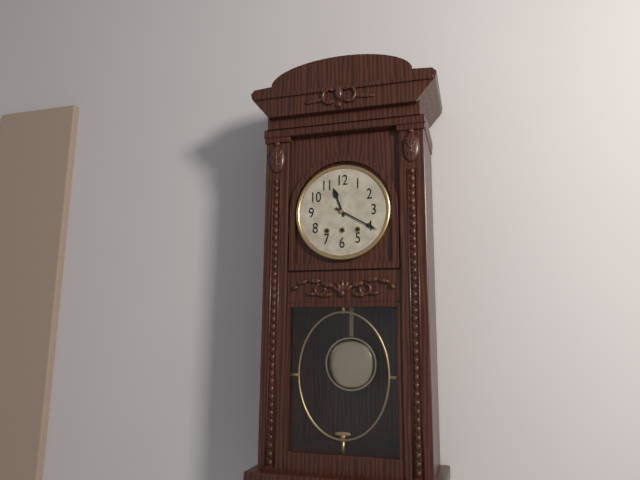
11:20
